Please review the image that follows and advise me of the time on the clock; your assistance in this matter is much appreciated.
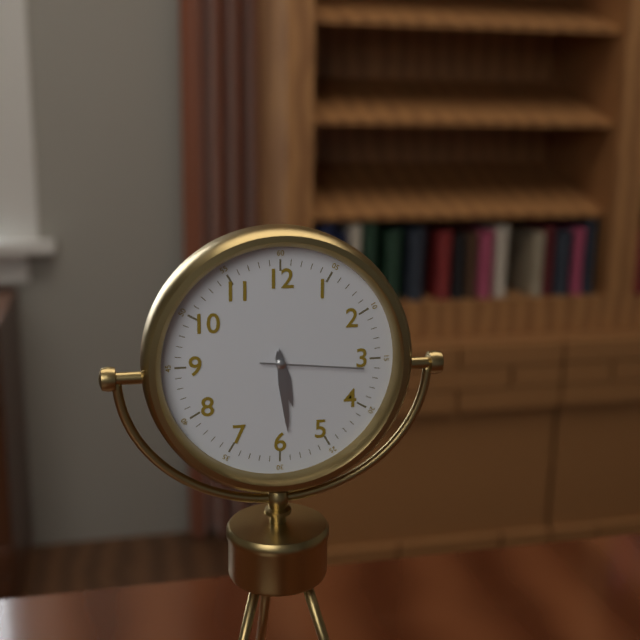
5:29:16
